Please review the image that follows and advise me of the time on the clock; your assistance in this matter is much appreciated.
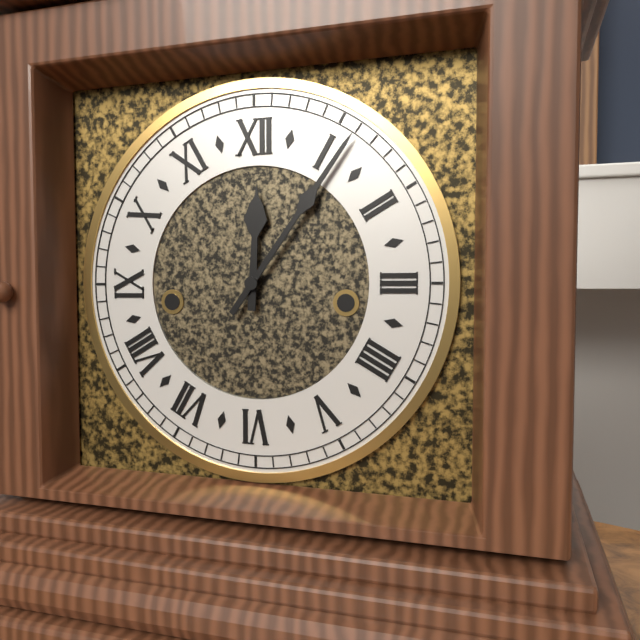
12:06
